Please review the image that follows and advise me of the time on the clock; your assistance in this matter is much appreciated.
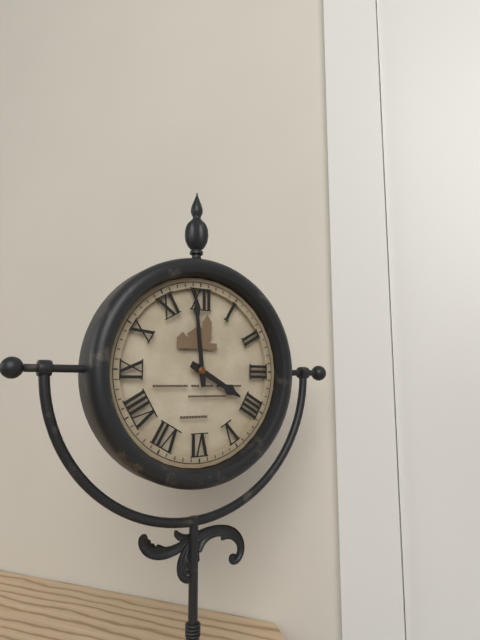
3:59
